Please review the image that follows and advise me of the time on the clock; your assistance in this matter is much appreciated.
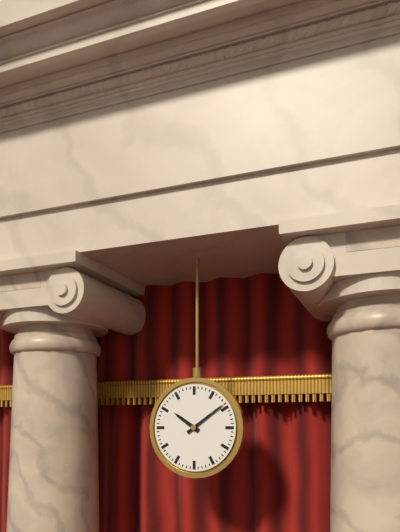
10:09
